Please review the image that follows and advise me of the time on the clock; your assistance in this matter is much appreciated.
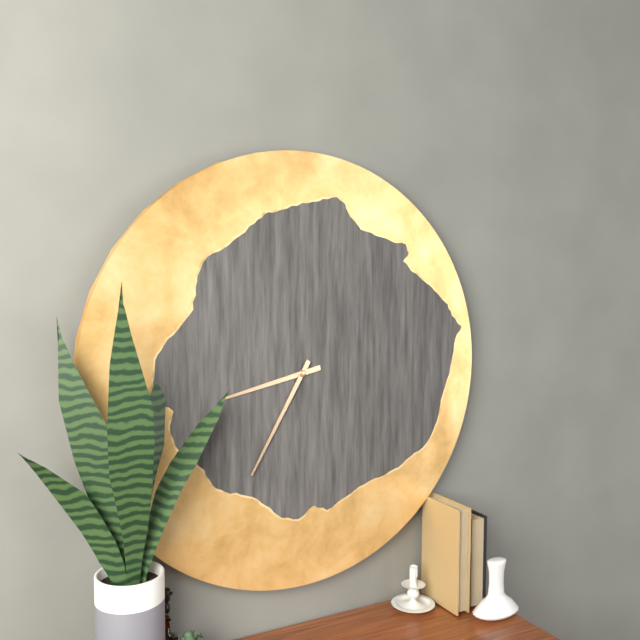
8:35
